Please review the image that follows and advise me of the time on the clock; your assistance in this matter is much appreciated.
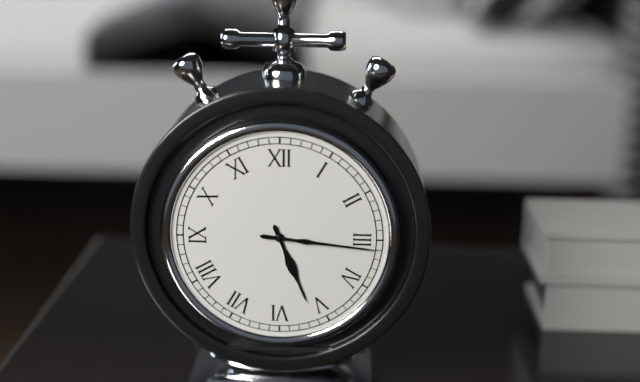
5:16
